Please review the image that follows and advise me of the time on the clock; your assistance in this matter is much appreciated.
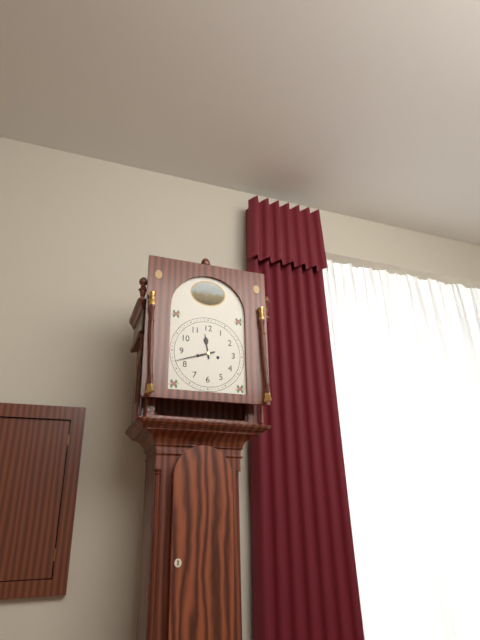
11:42
